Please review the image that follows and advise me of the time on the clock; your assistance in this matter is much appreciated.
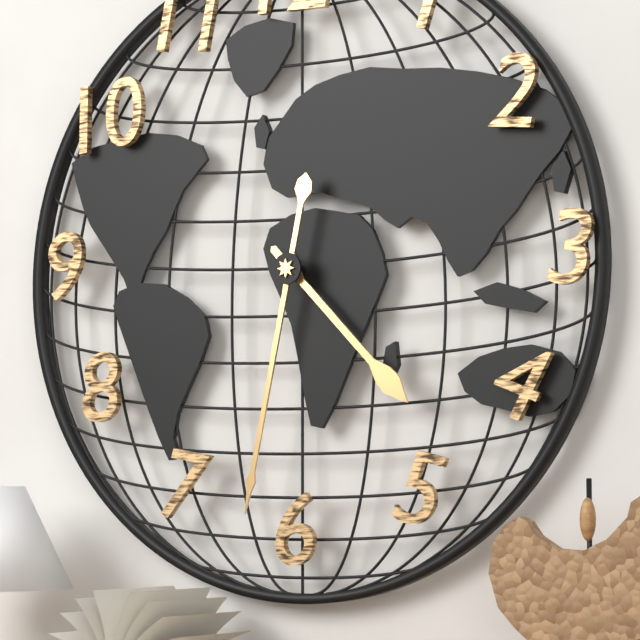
4:32
